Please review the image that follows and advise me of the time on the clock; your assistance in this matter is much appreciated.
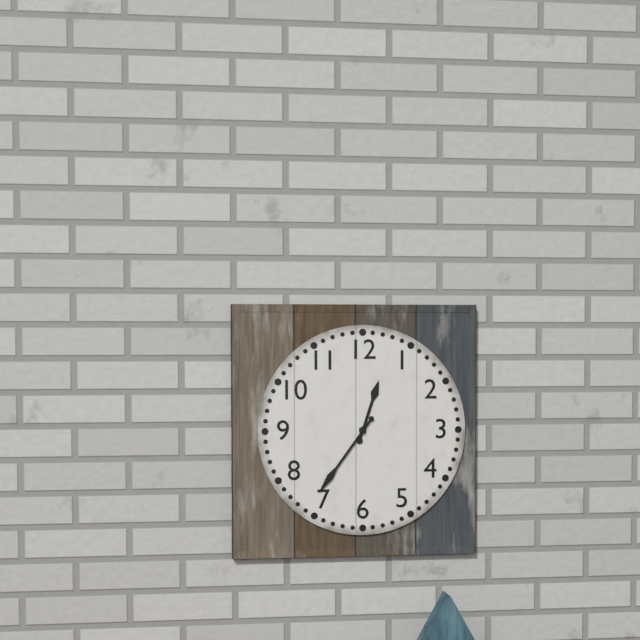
12:36
